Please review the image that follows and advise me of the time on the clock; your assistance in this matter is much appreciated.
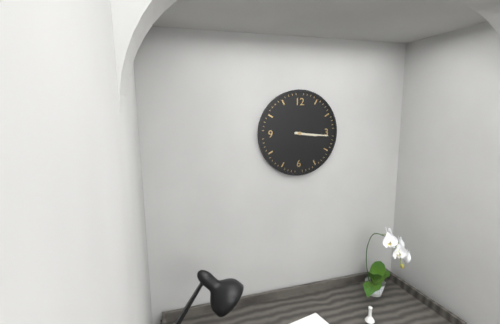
3:16
